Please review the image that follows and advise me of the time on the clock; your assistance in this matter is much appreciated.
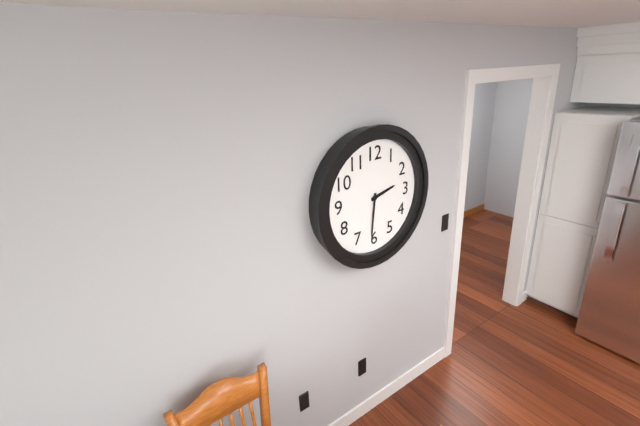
2:31
